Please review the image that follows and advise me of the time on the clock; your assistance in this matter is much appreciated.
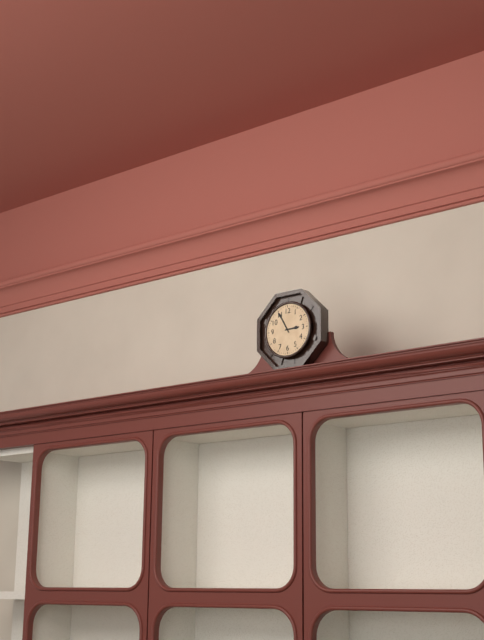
2:55
